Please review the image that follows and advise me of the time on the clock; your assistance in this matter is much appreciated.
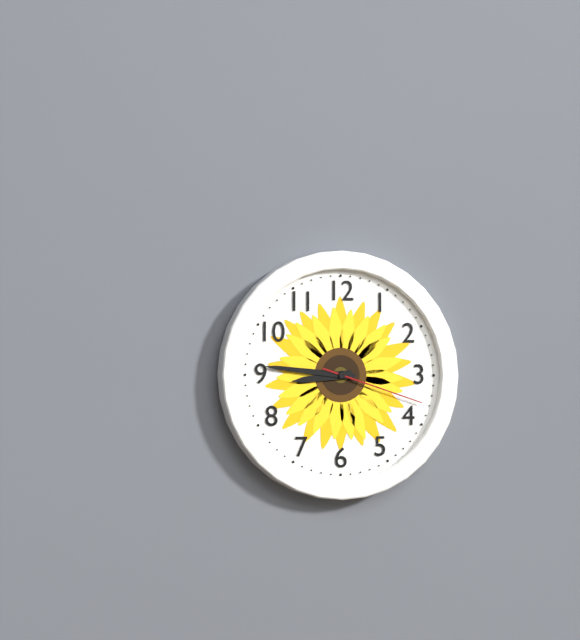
8:46:18
